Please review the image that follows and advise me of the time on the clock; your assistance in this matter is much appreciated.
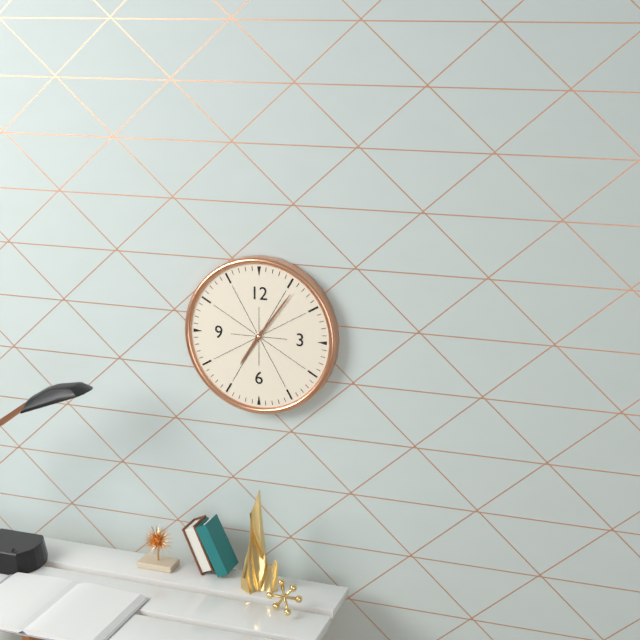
7:06
